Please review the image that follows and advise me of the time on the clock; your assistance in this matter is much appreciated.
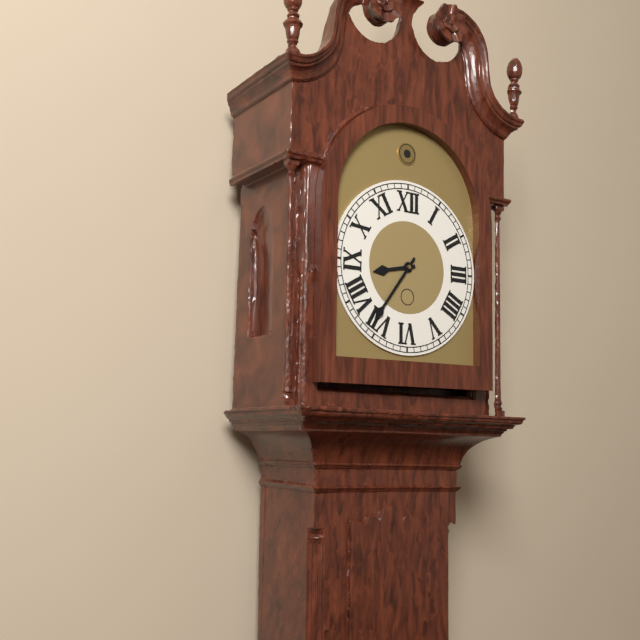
8:36
